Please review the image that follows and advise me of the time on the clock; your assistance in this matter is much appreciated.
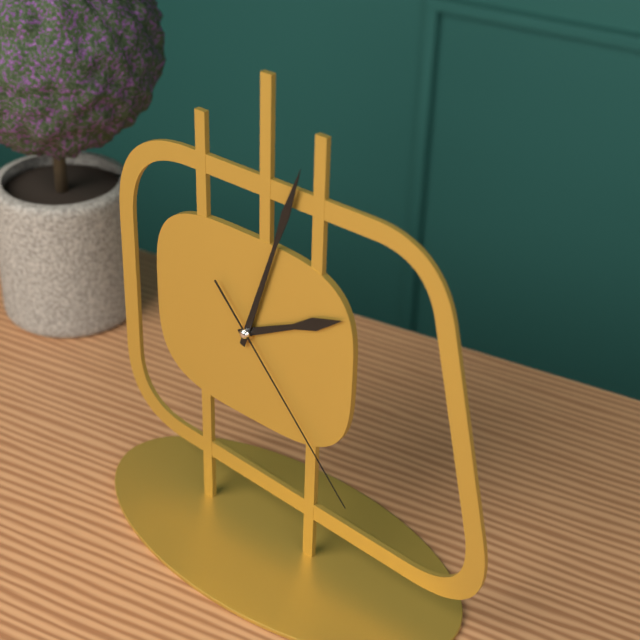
2:03:23
